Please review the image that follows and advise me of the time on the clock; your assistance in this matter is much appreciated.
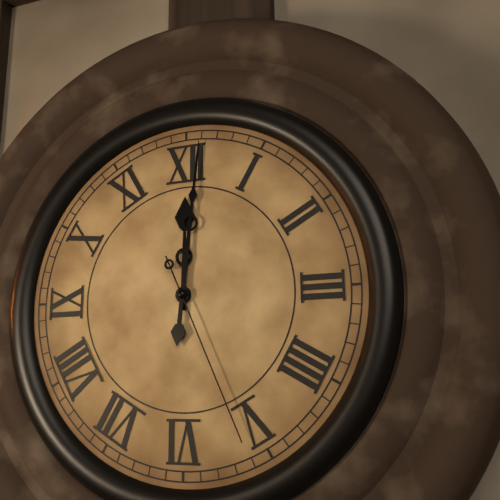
12:01:26
